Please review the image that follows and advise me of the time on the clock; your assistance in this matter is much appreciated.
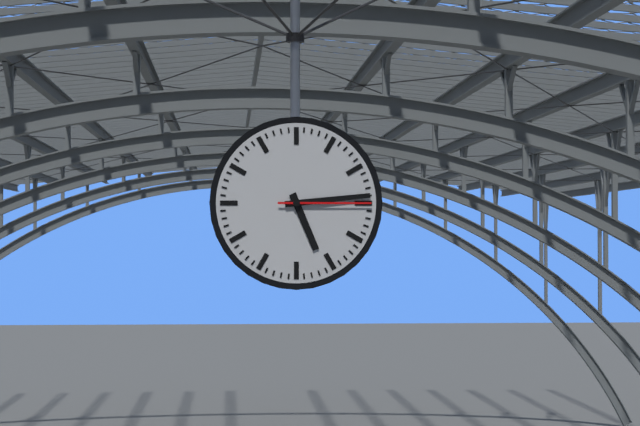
5:14:15
